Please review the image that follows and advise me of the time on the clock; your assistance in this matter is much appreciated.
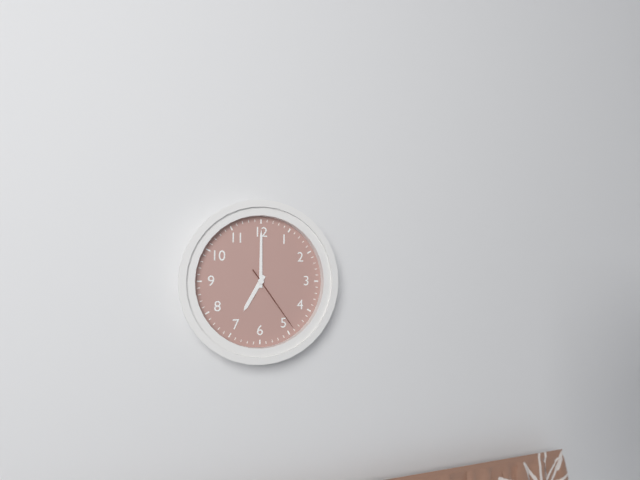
7:00:24
